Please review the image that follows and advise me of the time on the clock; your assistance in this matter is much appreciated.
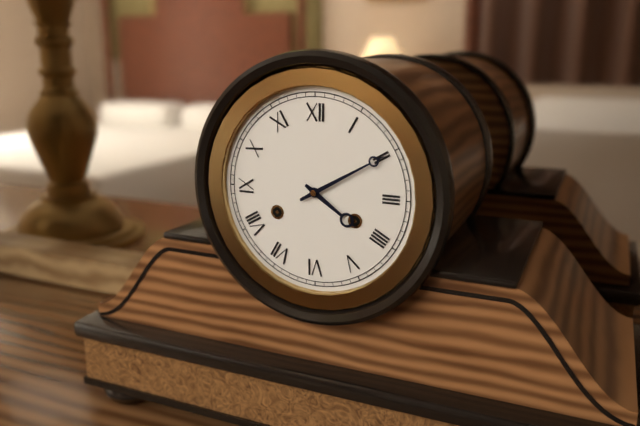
4:10
